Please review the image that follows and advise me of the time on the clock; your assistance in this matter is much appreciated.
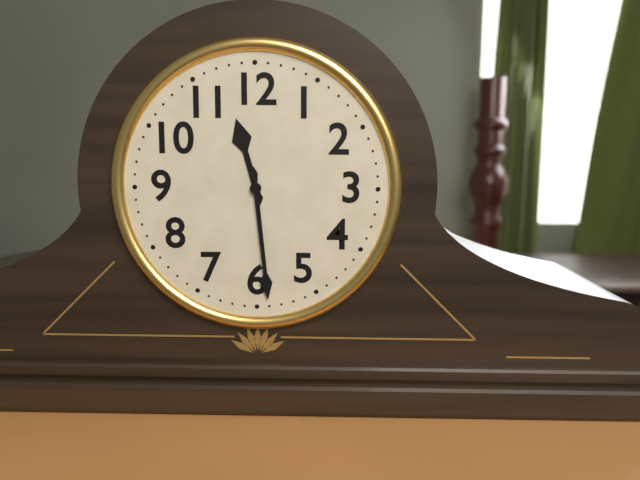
11:29
